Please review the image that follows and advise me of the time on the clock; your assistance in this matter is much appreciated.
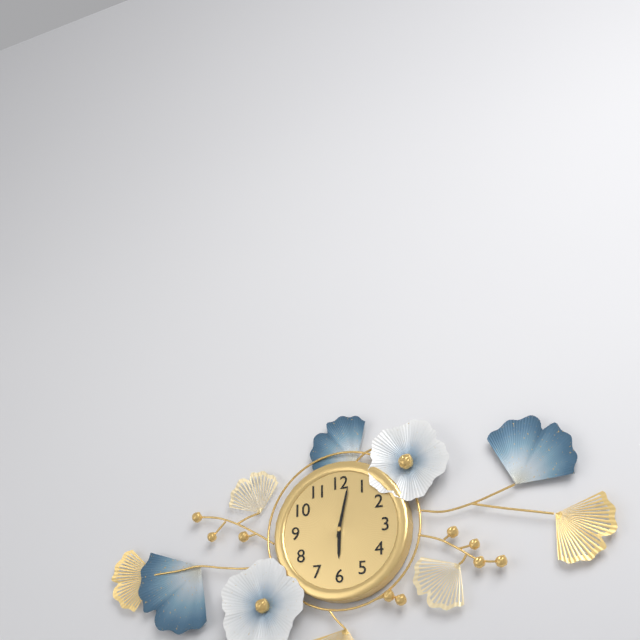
6:02
